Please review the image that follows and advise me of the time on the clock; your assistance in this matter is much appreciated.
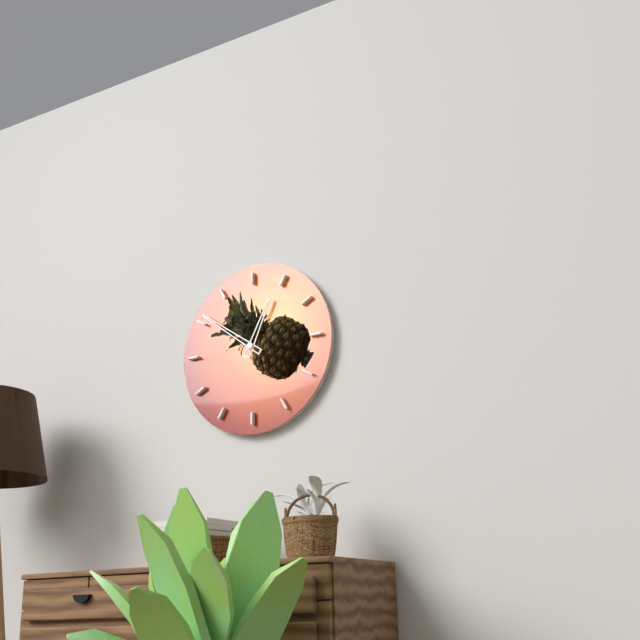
12:51
